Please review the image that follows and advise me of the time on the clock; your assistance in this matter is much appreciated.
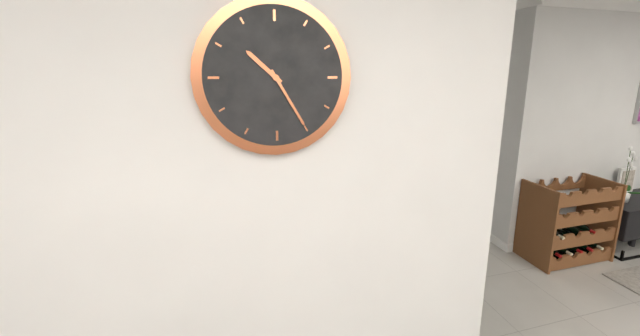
10:25
